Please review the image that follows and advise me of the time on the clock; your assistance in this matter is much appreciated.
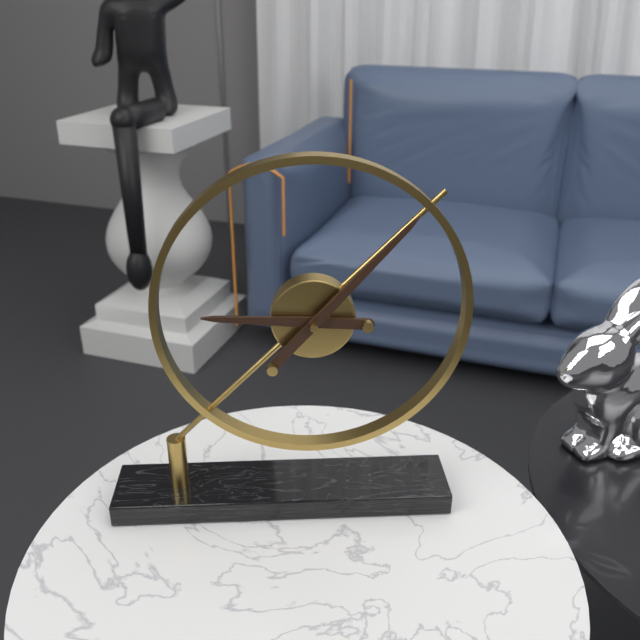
9:07
